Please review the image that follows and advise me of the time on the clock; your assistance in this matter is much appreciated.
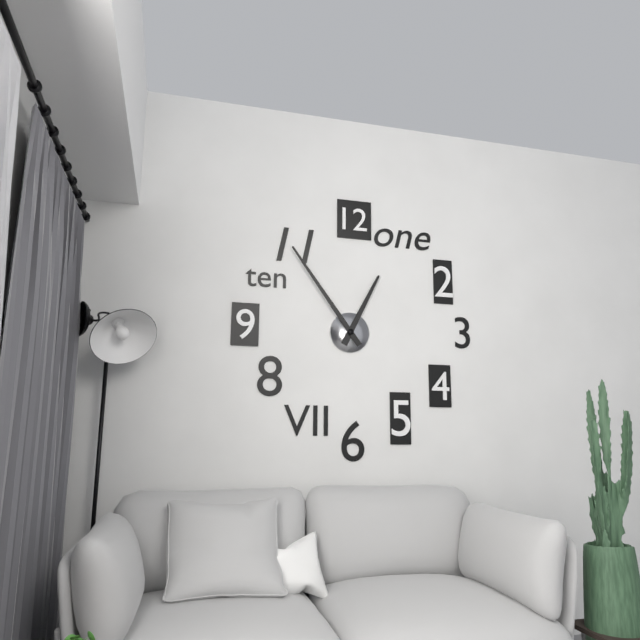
12:54
